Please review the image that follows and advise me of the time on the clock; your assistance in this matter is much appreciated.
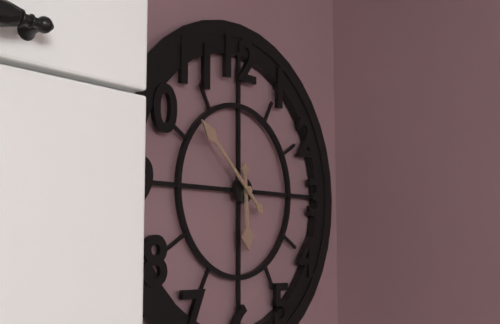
5:52
